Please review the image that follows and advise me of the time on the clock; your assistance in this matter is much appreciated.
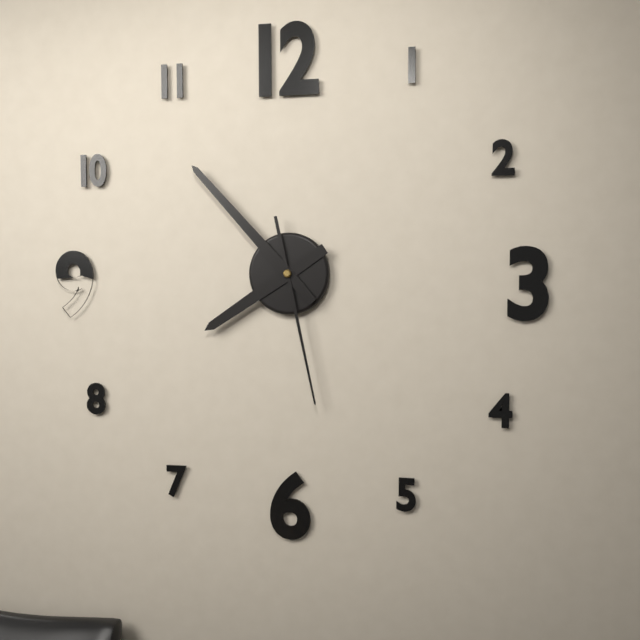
7:53:28
